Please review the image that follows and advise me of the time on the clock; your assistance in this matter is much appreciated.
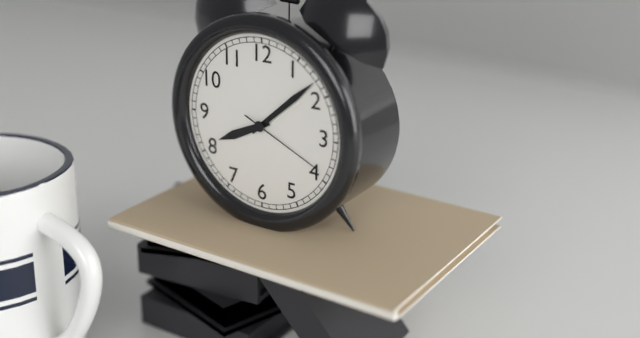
8:08:19
